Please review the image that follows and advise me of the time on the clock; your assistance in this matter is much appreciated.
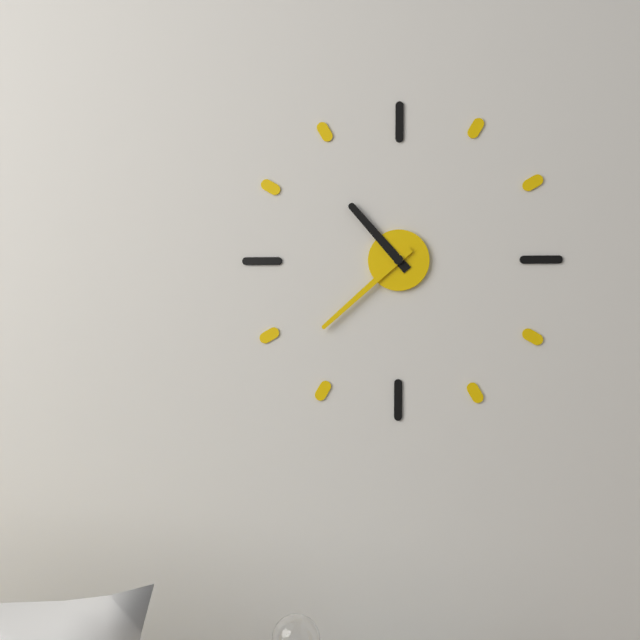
10:38
